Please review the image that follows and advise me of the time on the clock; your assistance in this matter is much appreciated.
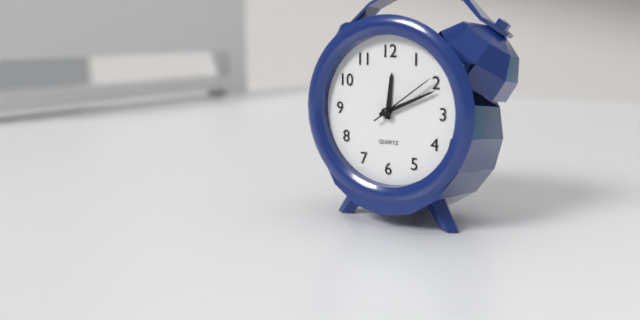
12:11:09
